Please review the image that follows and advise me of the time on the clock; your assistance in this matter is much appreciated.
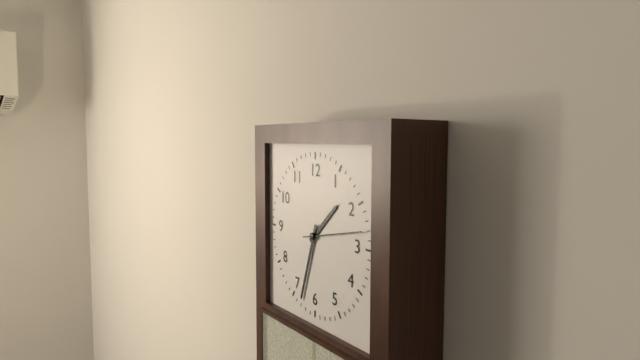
1:33:13
